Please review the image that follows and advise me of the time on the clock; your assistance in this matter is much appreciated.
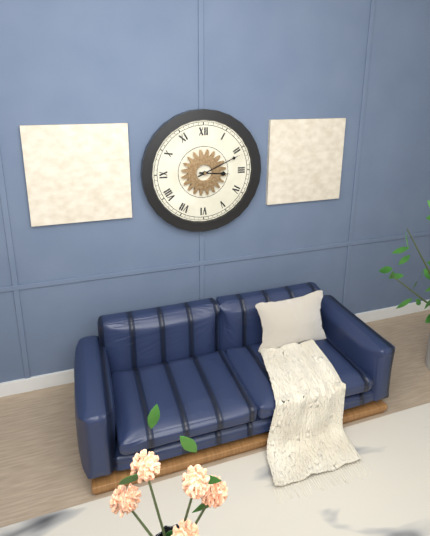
3:11
